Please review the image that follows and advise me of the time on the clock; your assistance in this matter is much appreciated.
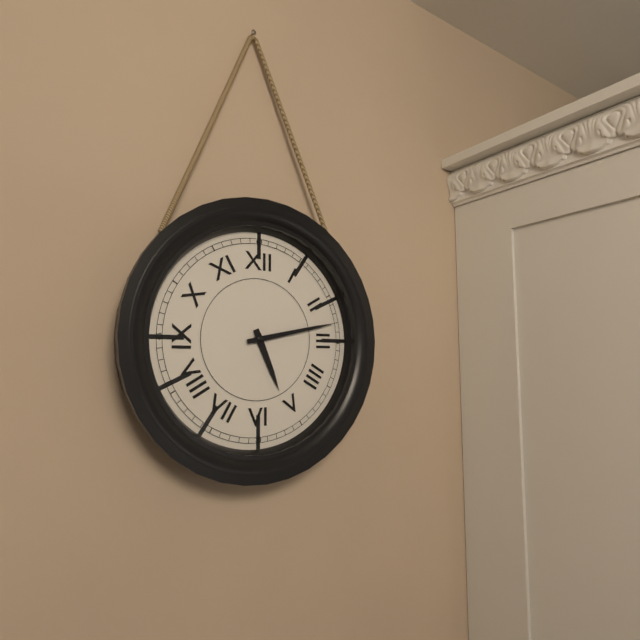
5:13
